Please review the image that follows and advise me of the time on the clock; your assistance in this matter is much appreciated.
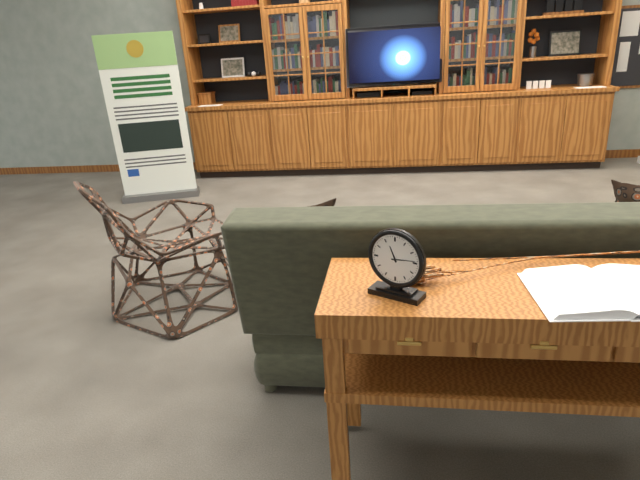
11:14
